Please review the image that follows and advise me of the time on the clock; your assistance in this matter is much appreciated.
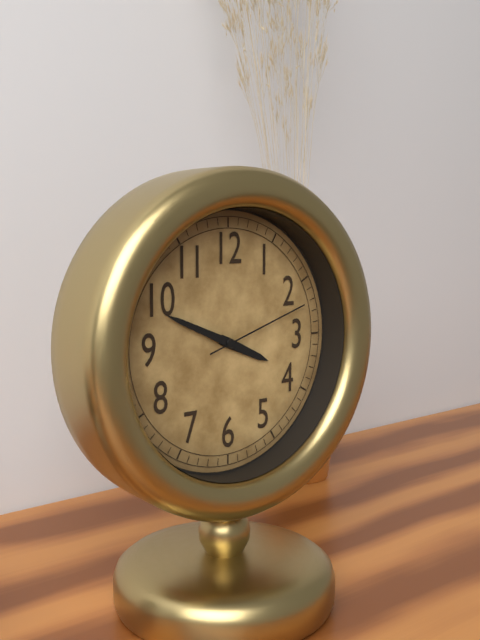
3:49:12
